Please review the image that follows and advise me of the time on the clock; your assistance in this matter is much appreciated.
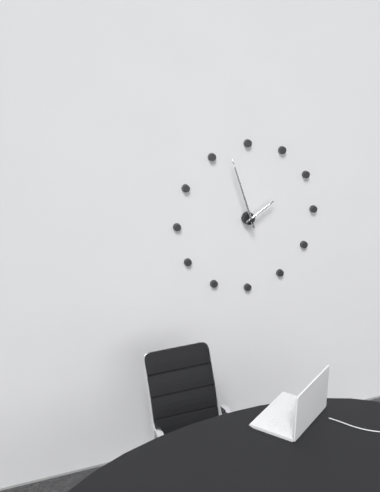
1:57
